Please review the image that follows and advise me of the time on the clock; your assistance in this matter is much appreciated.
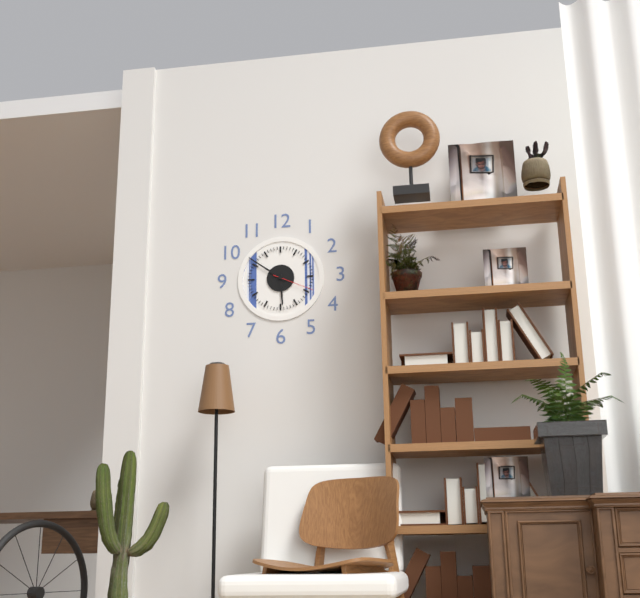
5:51
